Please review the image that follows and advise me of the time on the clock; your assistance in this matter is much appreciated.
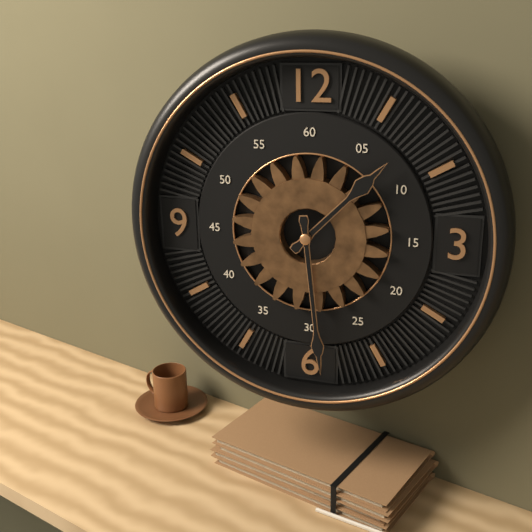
1:29
